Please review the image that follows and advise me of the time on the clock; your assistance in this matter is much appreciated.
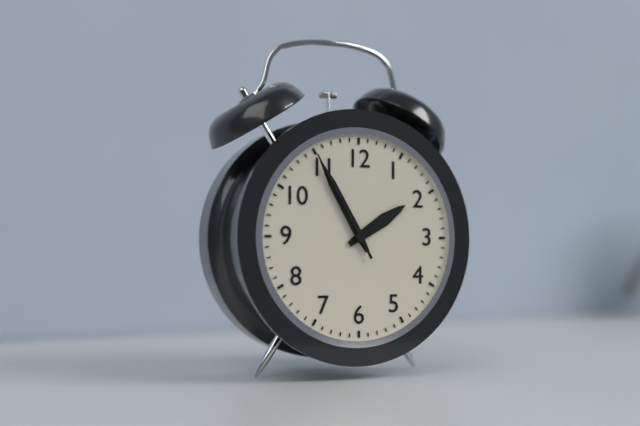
1:55:55
